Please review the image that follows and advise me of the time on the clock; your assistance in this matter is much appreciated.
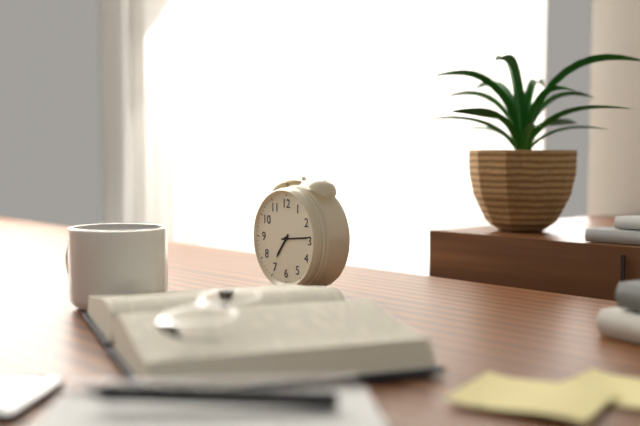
7:14
